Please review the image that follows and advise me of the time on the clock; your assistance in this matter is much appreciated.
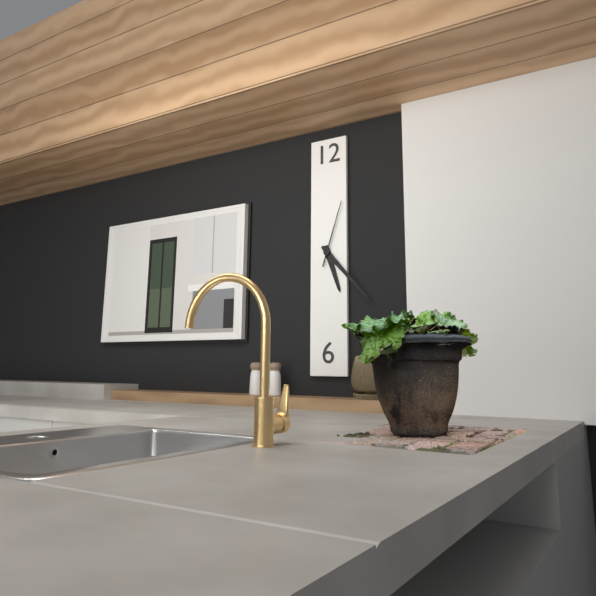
5:23:03
